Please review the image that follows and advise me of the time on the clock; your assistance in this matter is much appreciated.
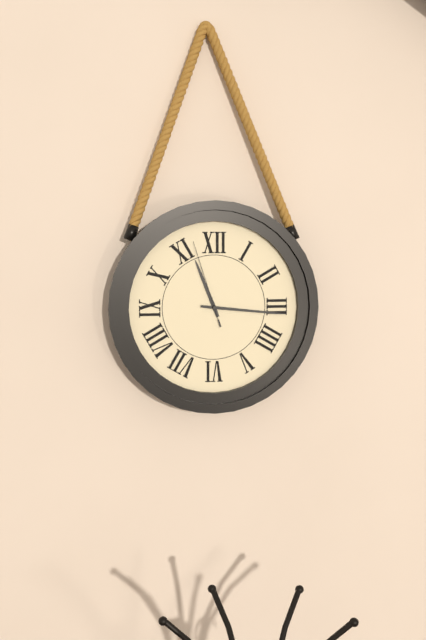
11:16:57
